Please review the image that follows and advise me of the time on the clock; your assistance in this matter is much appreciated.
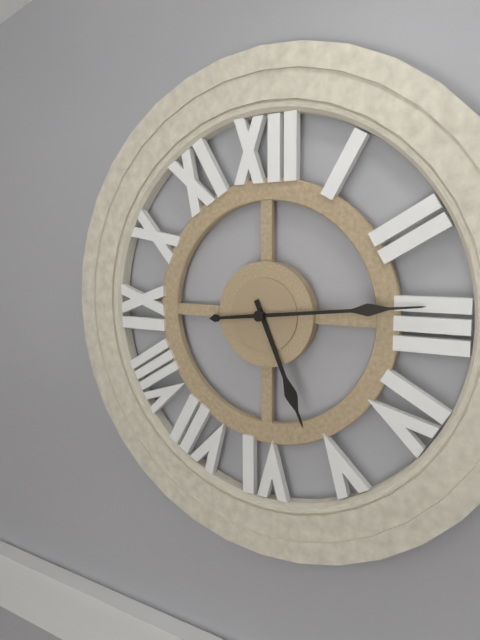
5:14
